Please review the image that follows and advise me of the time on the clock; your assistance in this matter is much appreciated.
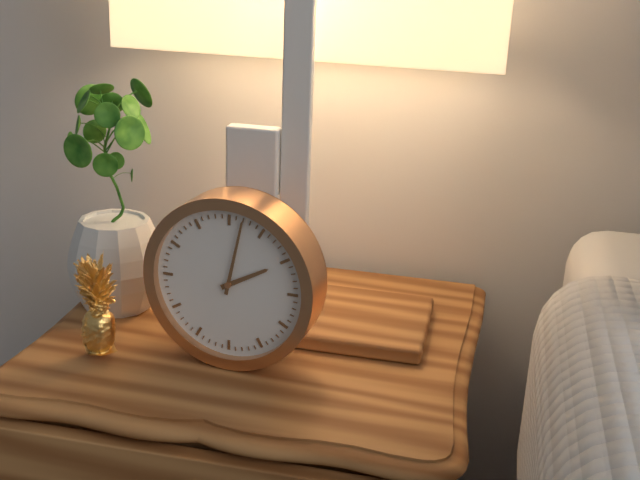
2:02
